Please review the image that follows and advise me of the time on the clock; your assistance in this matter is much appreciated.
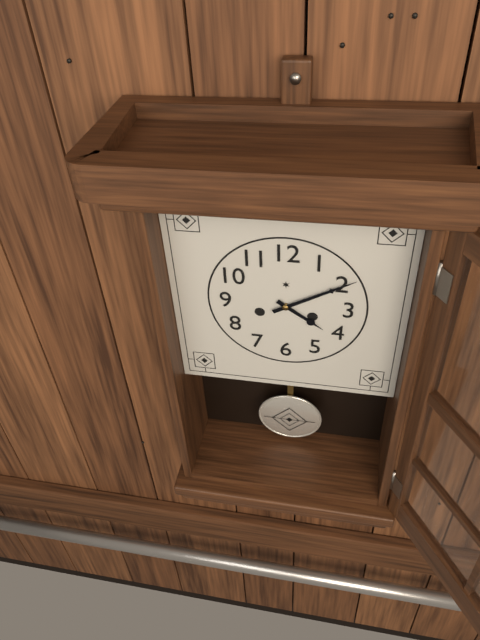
4:10
